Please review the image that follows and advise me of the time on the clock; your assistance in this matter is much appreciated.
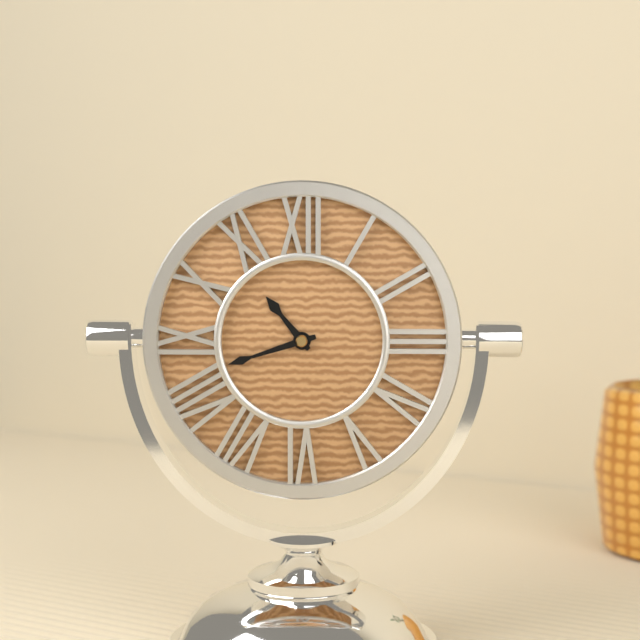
10:42
